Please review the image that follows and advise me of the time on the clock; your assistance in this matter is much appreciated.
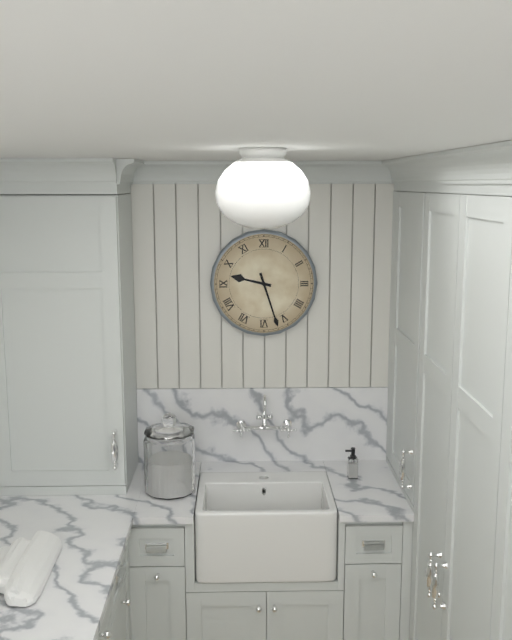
9:27
